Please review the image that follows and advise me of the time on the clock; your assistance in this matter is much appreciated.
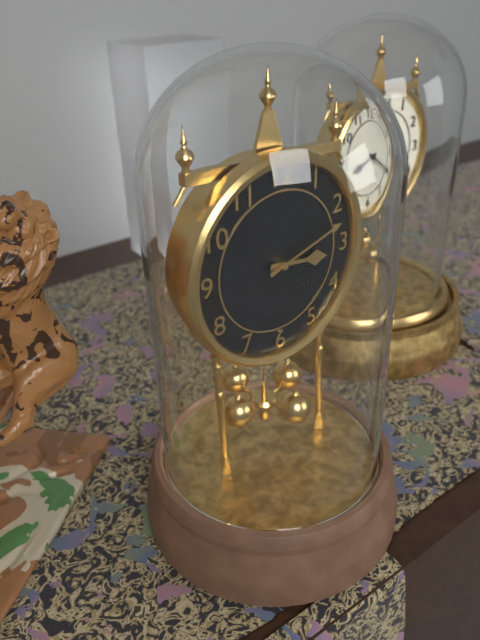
3:12
